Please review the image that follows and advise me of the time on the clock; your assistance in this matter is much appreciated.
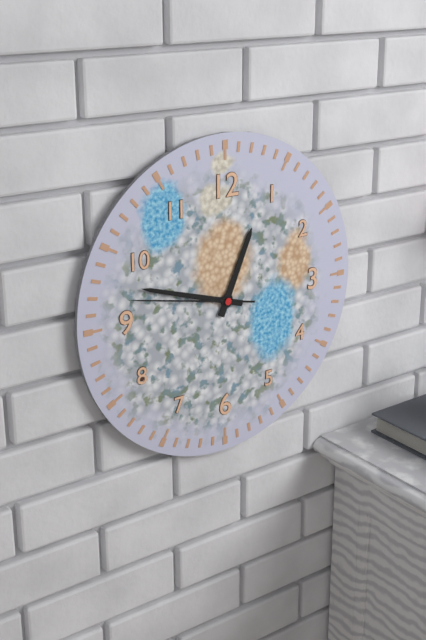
12:48:47
